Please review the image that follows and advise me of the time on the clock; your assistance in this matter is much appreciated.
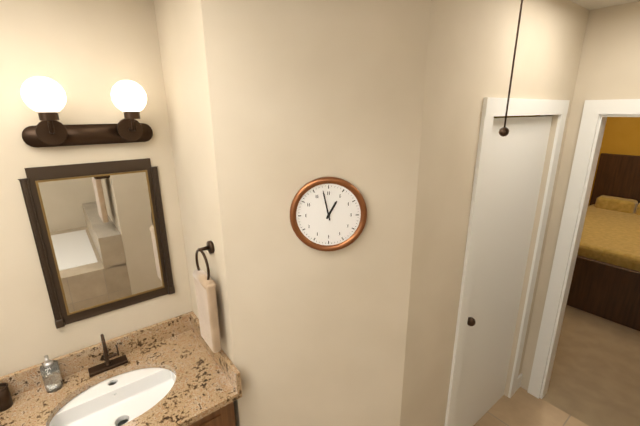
12:58
